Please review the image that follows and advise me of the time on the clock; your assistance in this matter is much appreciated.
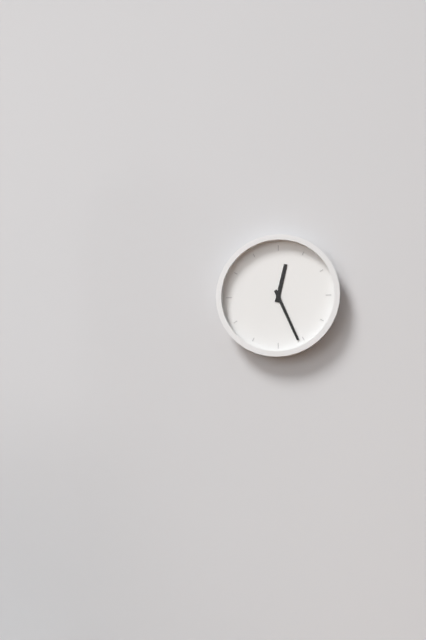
12:26
